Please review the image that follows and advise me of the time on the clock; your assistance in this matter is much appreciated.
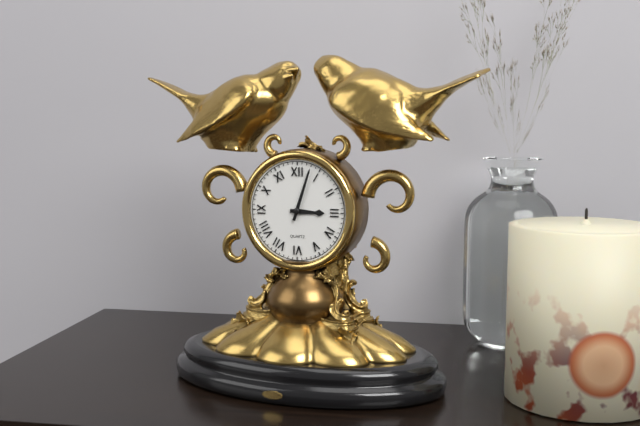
3:03
